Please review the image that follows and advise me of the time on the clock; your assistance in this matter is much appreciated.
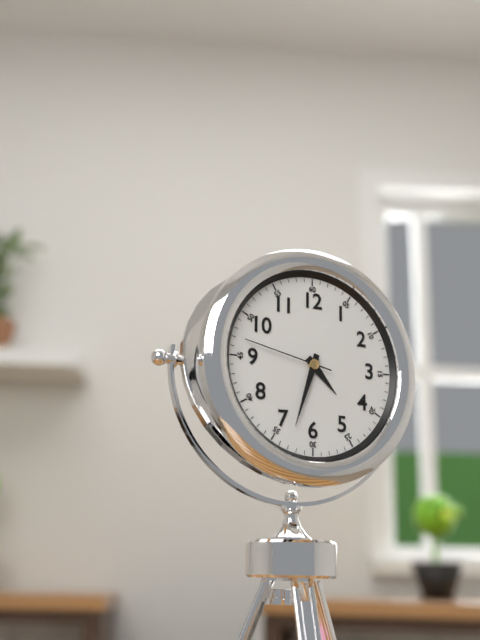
4:33:47
